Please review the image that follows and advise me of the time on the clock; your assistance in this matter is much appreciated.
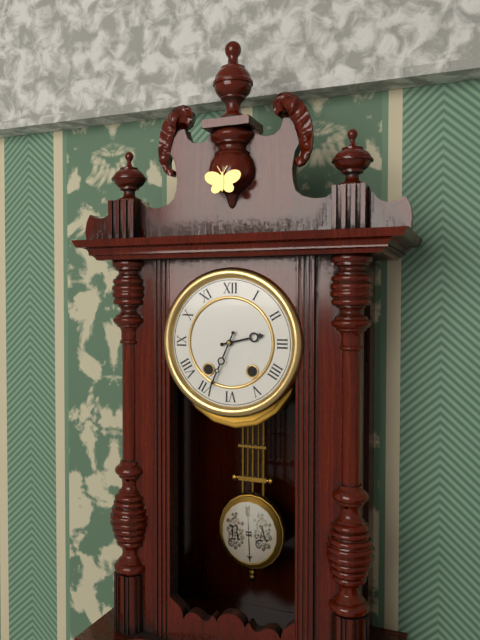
2:34
